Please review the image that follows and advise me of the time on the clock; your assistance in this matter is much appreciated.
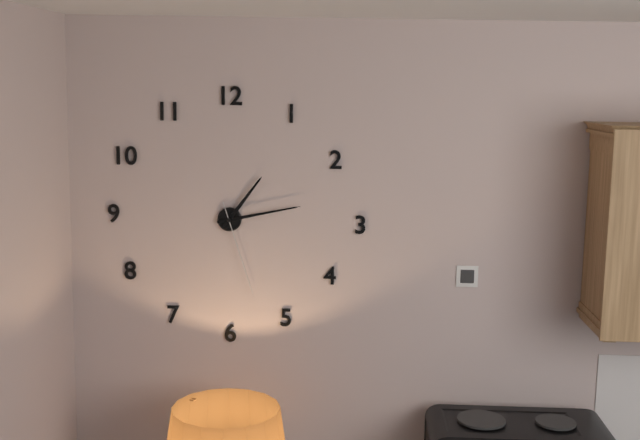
1:13:27
